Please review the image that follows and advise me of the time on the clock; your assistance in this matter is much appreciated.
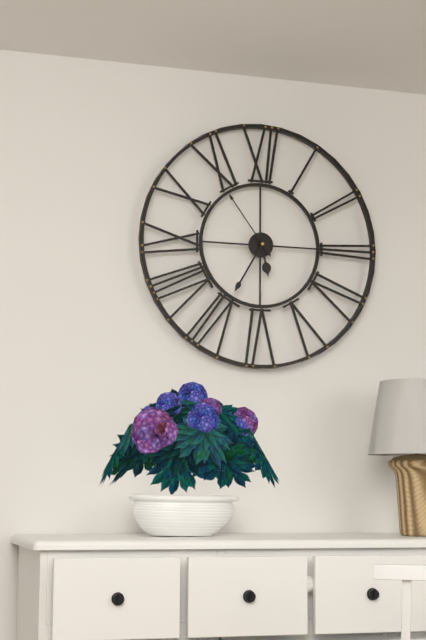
5:35:54
